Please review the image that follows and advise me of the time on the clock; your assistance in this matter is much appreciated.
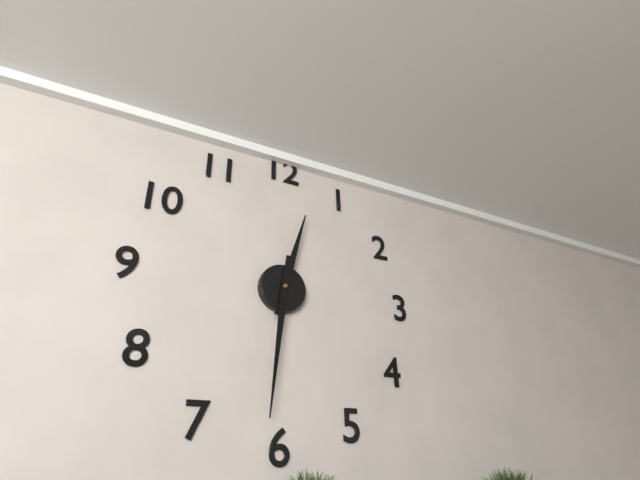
12:31
